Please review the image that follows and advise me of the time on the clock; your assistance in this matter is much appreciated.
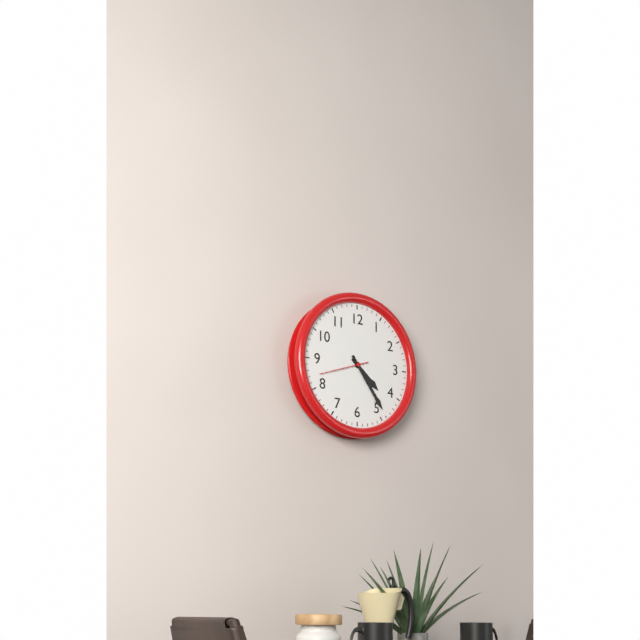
4:24
